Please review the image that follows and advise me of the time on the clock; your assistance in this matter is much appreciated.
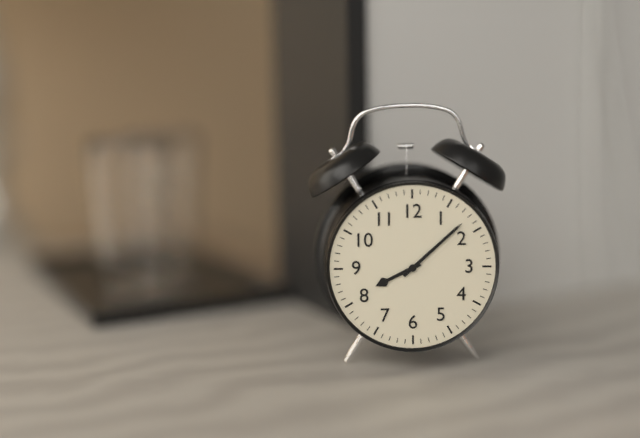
8:08
